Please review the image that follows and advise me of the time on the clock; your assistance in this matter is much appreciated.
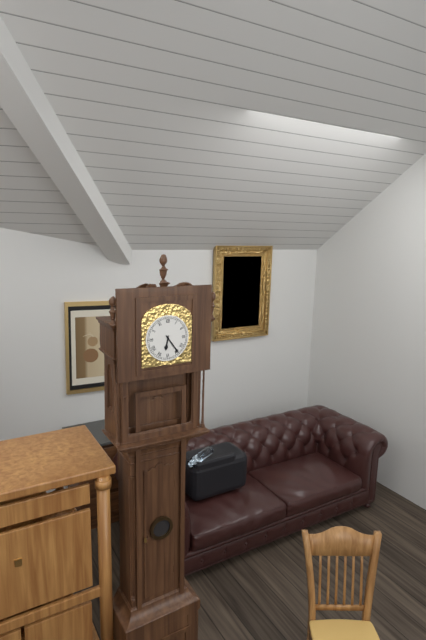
6:24
